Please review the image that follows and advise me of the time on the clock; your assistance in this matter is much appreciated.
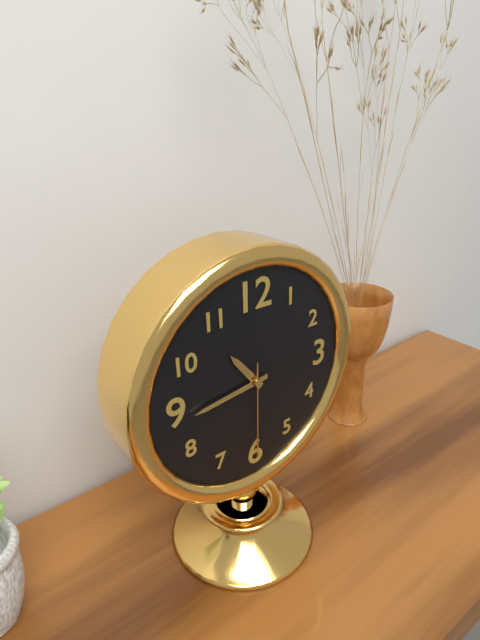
10:44:30
